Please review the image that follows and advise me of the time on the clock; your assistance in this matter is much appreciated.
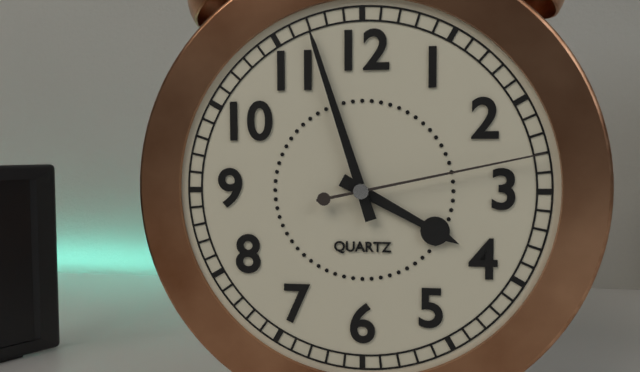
3:57:13
